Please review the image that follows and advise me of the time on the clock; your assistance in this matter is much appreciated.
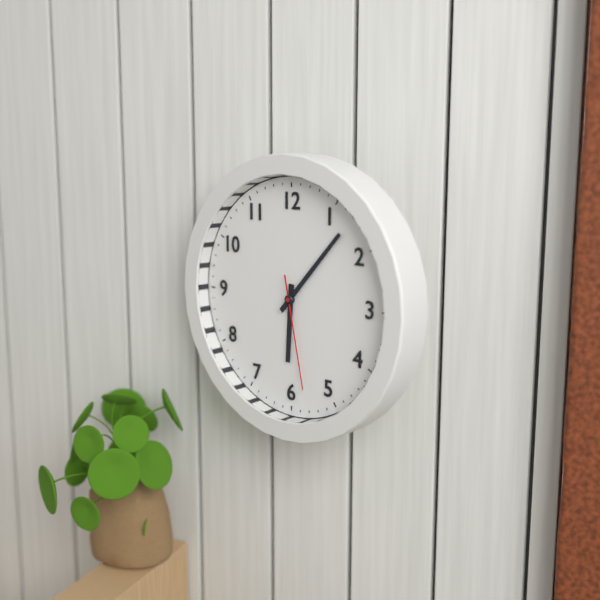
6:07:28
